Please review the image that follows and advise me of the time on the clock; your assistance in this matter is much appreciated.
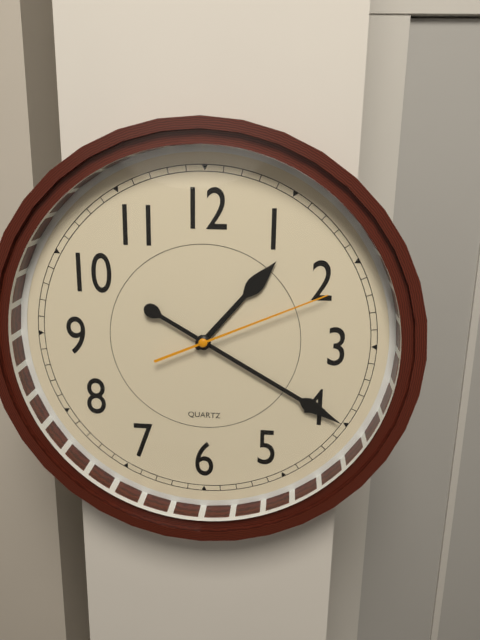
1:20:11
